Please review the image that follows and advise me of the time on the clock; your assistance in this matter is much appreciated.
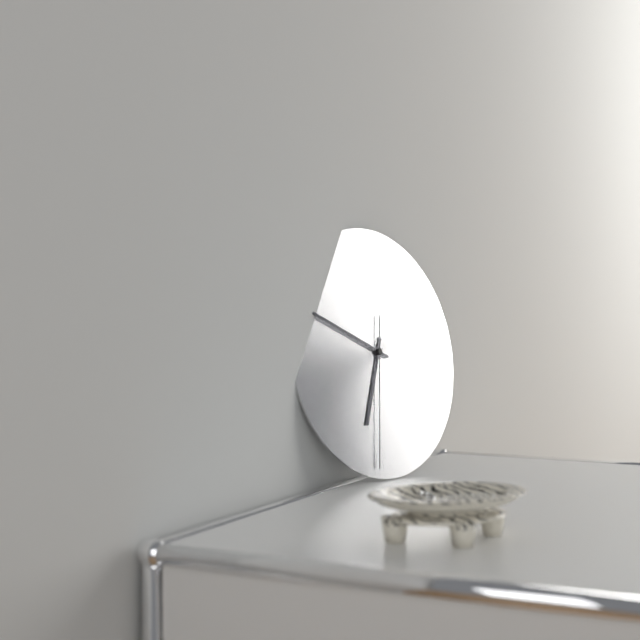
6:49:32
